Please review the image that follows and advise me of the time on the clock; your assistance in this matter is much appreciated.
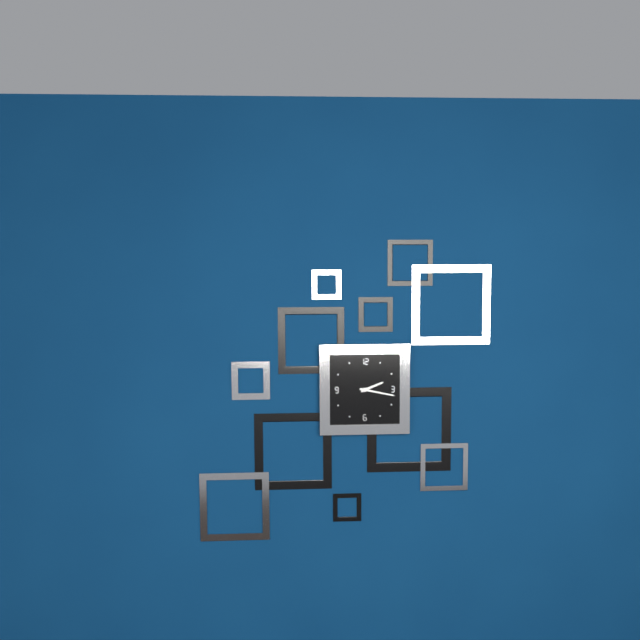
2:17
